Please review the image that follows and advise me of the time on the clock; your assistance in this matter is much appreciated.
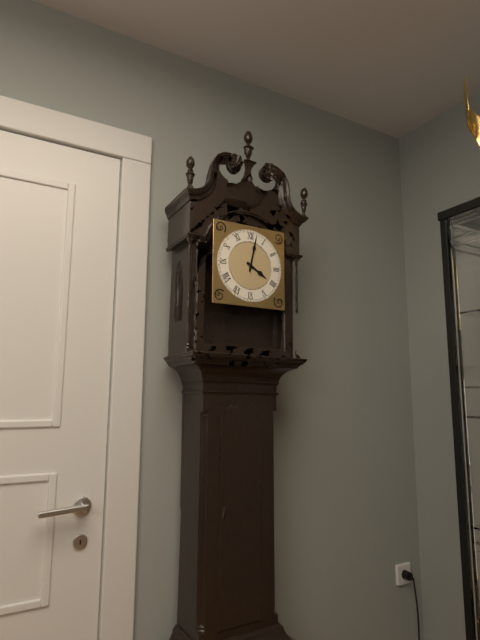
4:02
